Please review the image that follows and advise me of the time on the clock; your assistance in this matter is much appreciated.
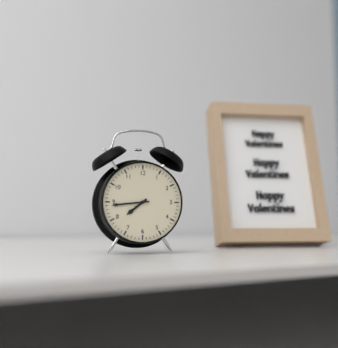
7:44
